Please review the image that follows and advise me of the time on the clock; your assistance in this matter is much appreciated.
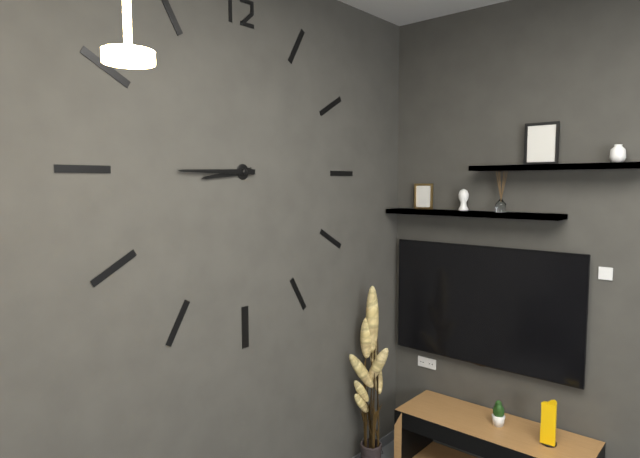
8:45
